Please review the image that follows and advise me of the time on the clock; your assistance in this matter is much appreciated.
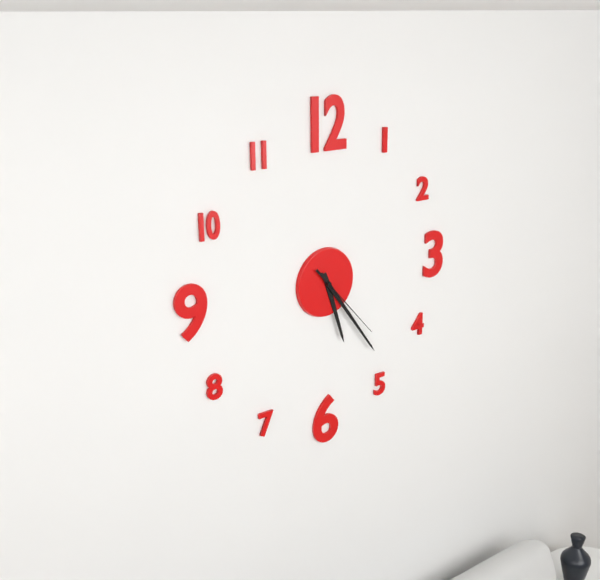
5:24:23
